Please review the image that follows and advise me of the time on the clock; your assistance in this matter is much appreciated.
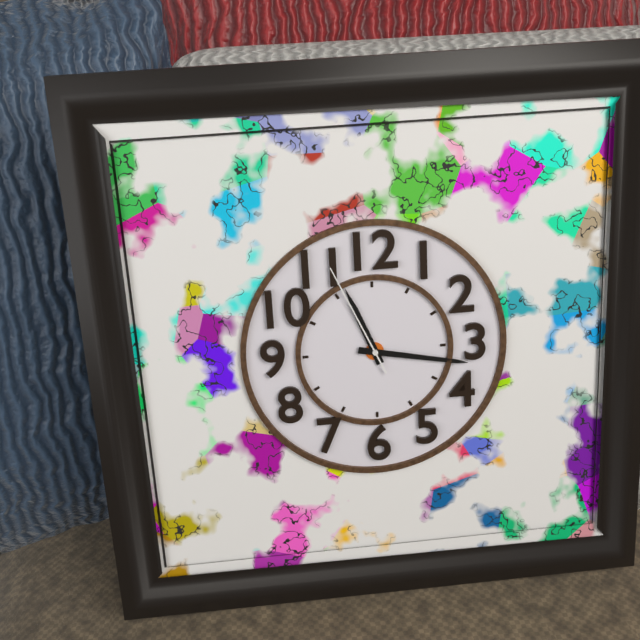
11:17:56
